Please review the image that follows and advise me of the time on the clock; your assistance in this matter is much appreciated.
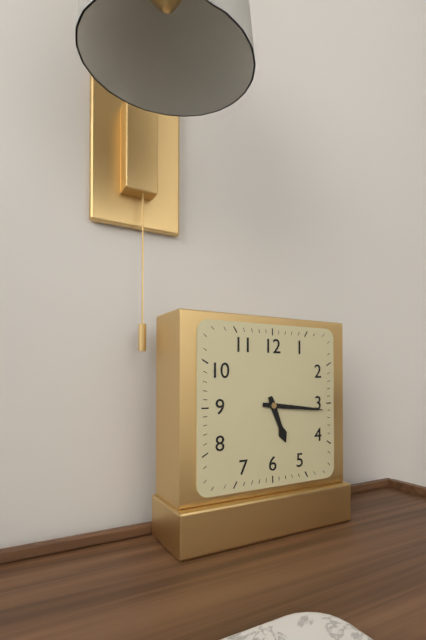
5:16
